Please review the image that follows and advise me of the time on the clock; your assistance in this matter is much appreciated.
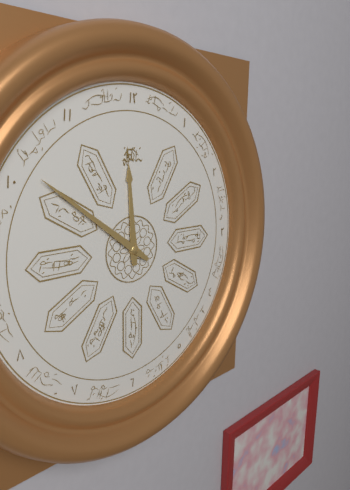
11:51
